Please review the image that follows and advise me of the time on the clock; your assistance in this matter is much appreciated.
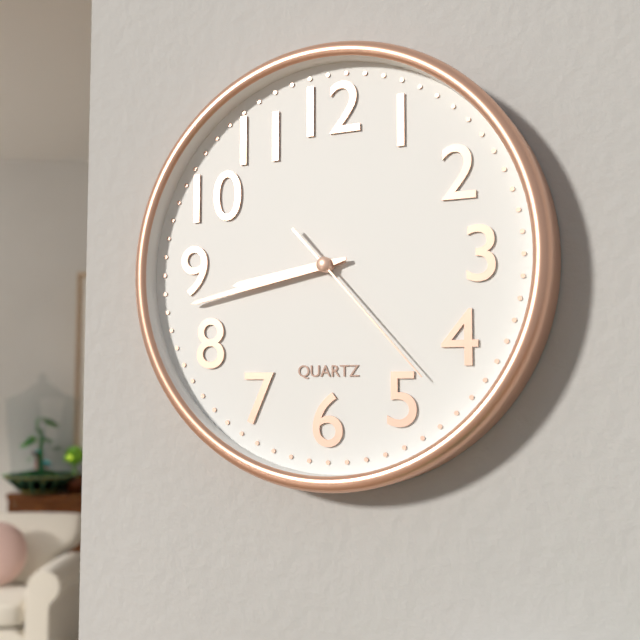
8:43:23
